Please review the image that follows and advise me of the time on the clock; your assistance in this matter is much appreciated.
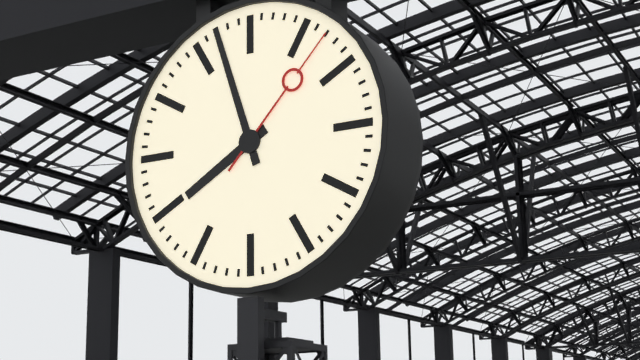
7:57:07
